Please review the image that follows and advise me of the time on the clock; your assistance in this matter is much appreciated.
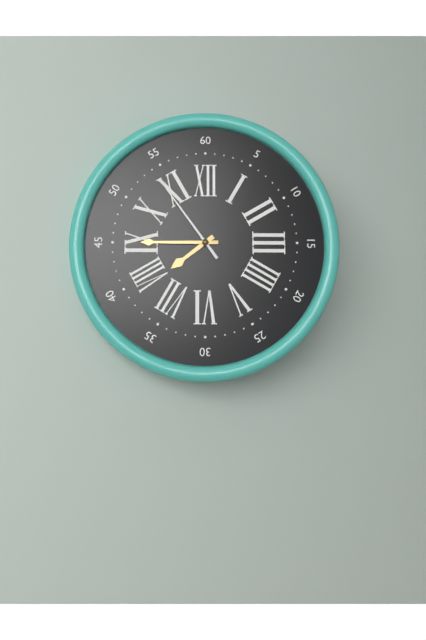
7:45:54
